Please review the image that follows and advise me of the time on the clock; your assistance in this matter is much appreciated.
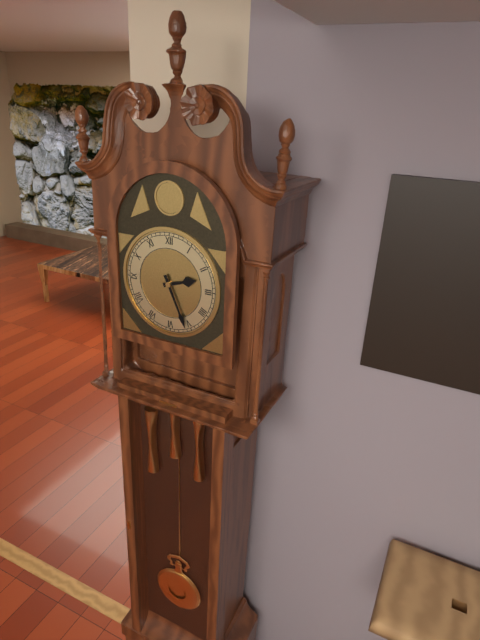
2:26
